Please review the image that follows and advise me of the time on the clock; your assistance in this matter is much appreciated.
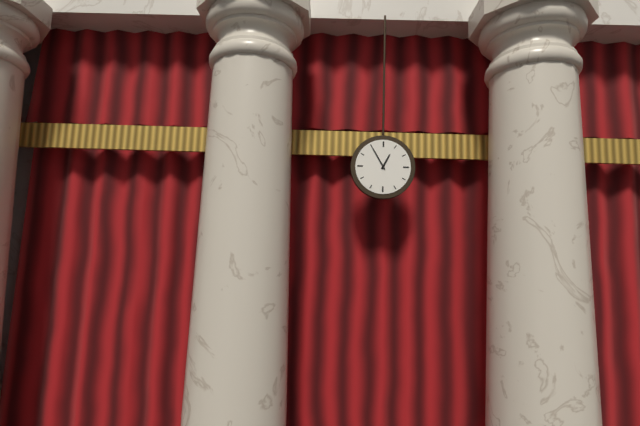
12:55
